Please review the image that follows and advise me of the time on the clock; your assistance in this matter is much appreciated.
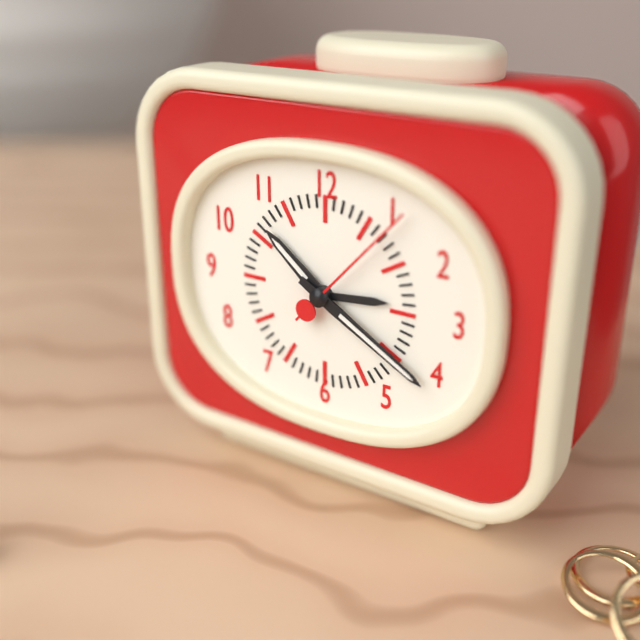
10:20:07
